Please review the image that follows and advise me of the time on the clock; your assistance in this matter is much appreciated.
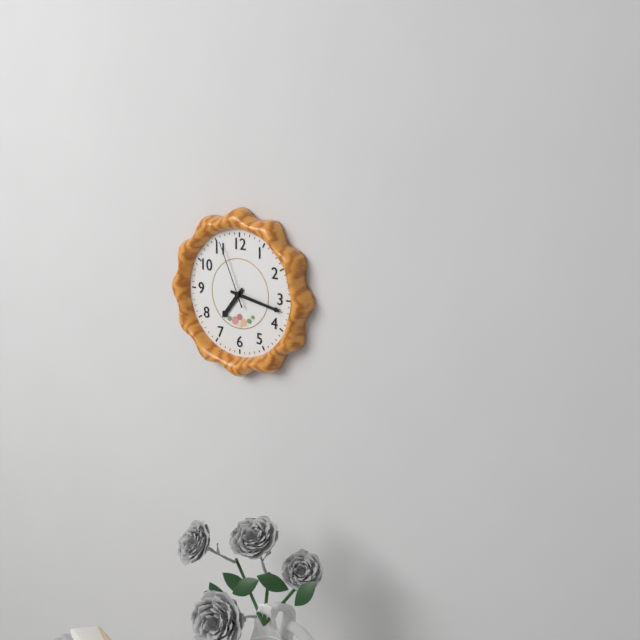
7:17:56
